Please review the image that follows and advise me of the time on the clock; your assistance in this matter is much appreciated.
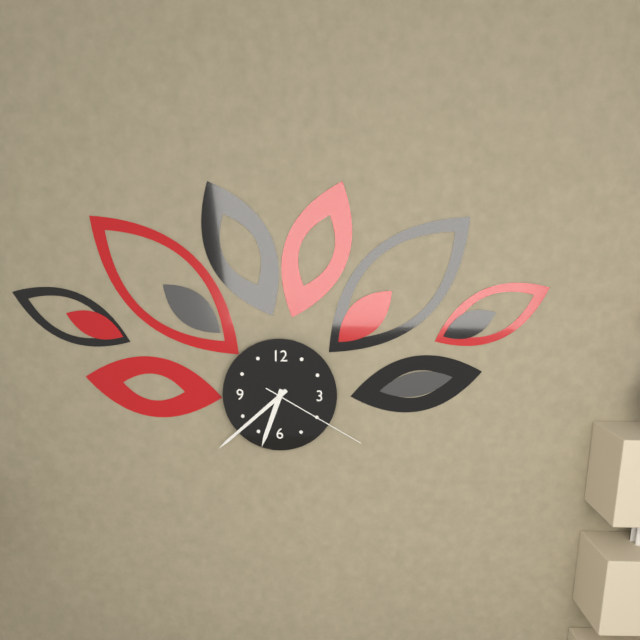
6:38:20
